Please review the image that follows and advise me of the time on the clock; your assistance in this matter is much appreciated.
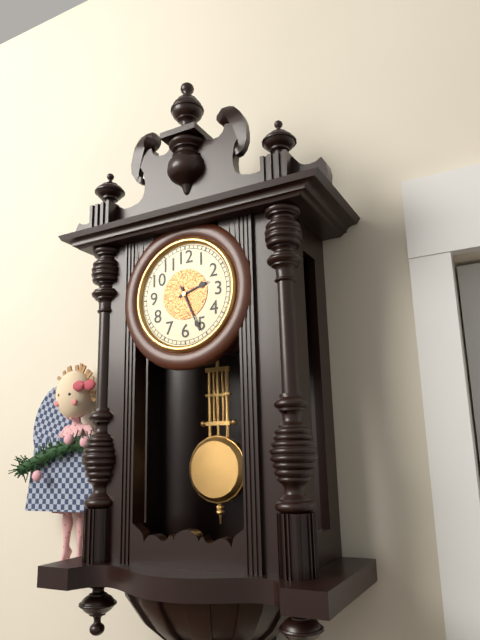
2:26
